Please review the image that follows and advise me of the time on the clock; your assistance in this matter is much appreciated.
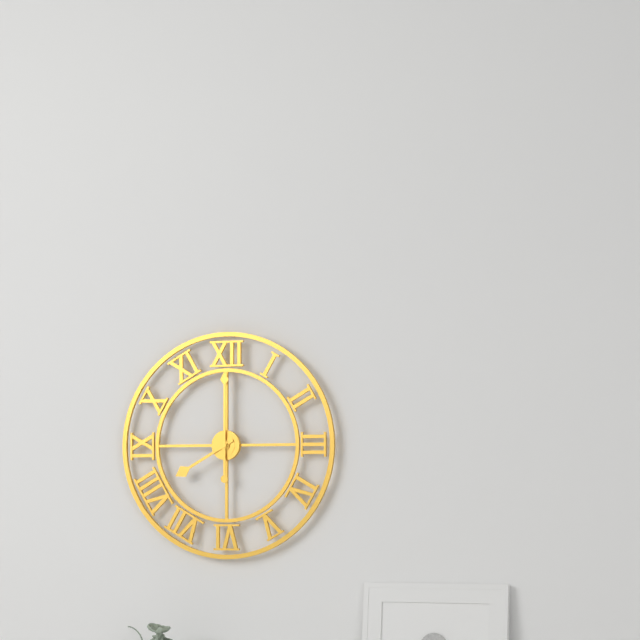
8:00
